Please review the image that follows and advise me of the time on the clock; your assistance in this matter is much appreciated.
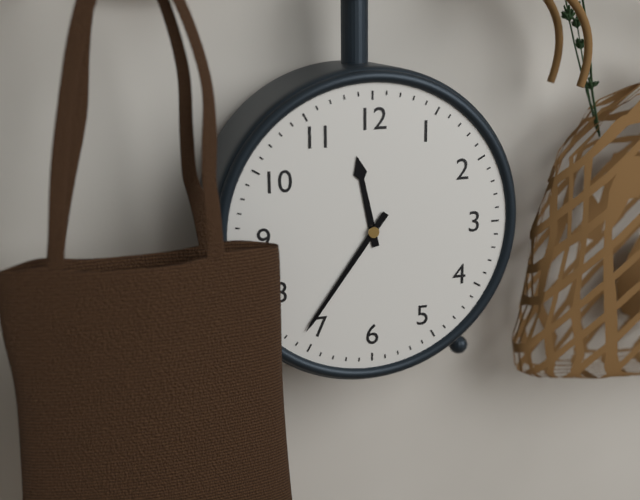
11:36
